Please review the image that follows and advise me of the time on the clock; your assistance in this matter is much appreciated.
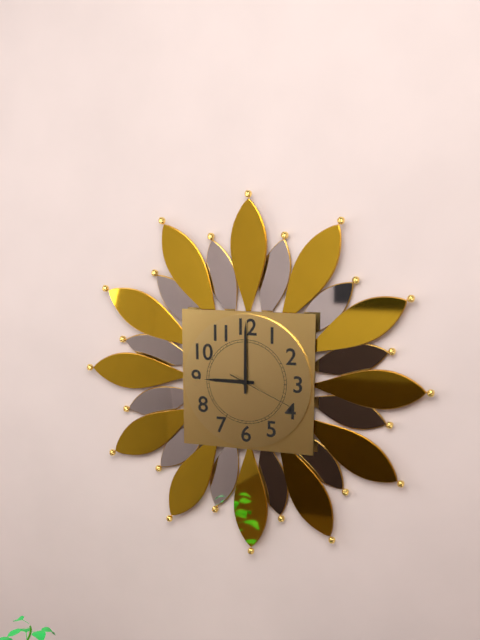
9:00:19
